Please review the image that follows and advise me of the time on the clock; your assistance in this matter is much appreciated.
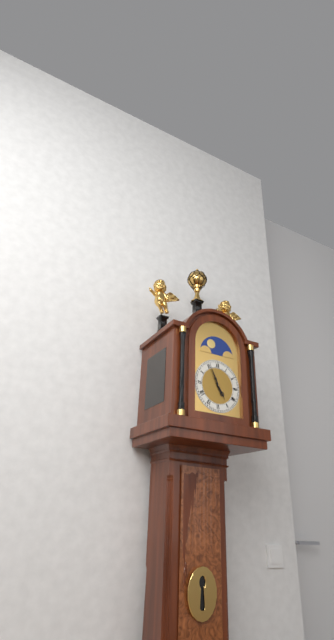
4:56
